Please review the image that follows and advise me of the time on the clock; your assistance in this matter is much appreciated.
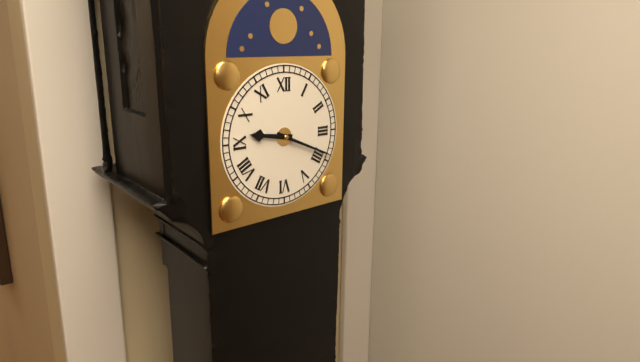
9:19
